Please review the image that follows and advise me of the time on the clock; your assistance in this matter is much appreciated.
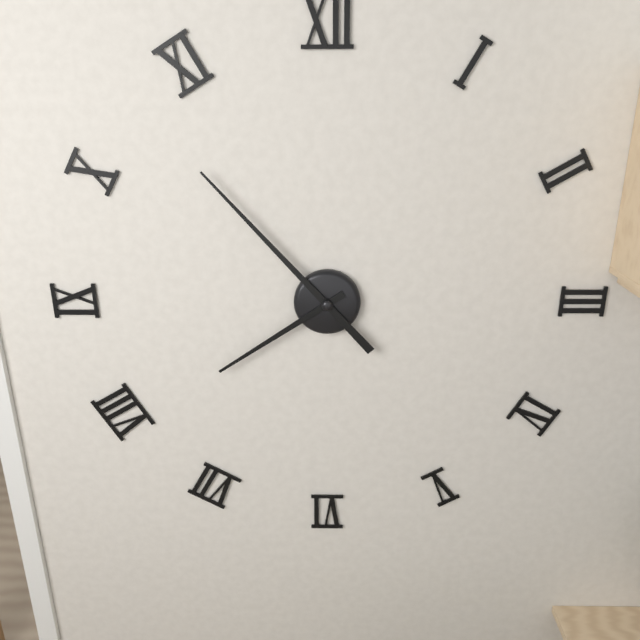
7:53
